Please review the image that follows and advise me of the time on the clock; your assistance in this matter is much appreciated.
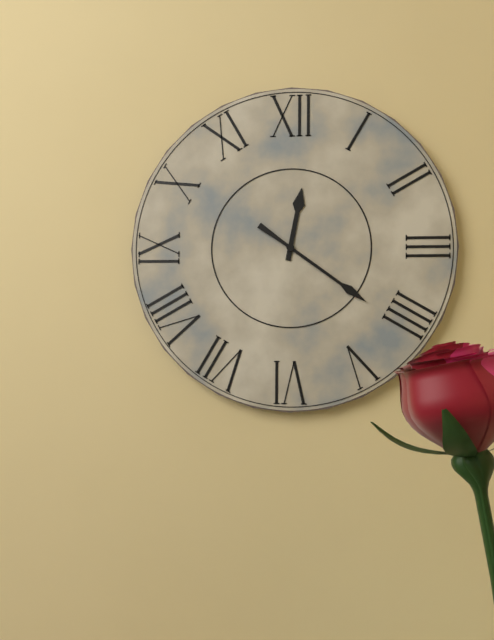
12:21
